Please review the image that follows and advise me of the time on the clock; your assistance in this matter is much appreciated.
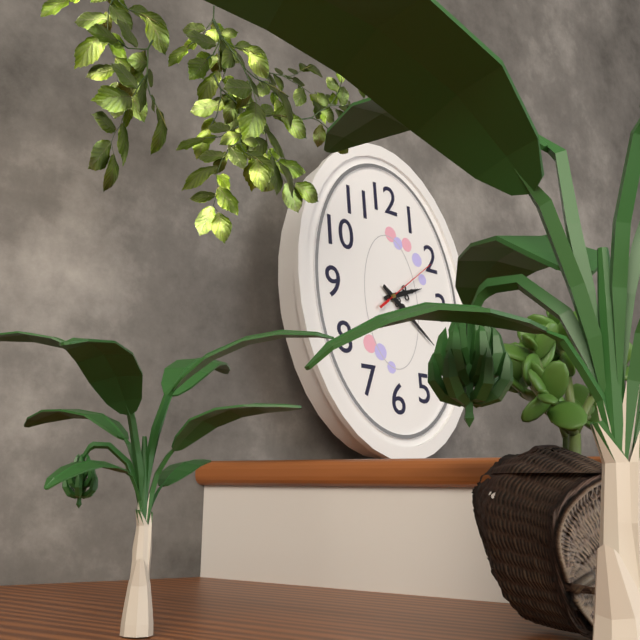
2:21:09
